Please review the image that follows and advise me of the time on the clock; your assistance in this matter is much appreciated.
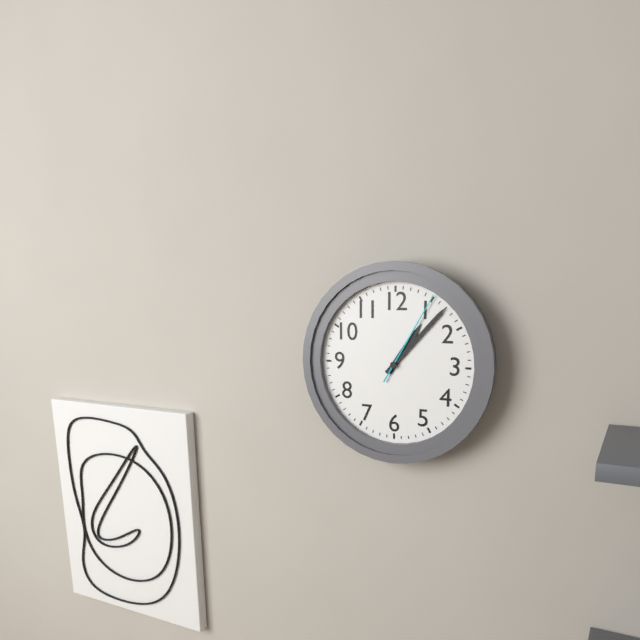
1:07:05
